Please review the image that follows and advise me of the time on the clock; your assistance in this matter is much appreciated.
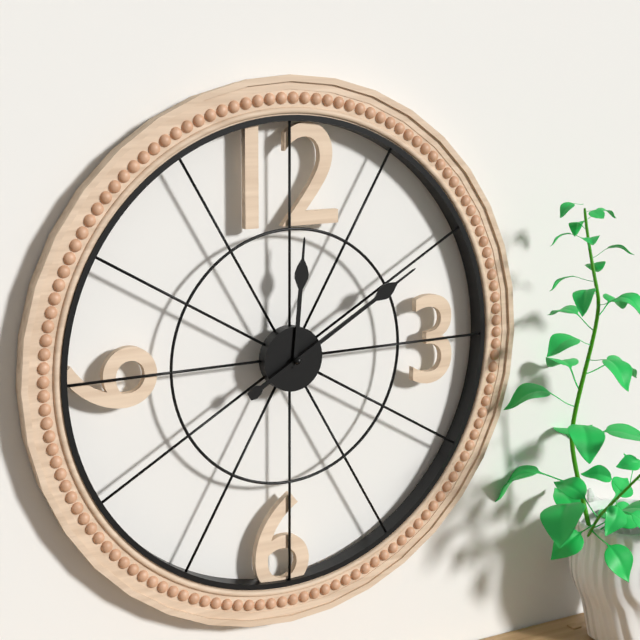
12:10
